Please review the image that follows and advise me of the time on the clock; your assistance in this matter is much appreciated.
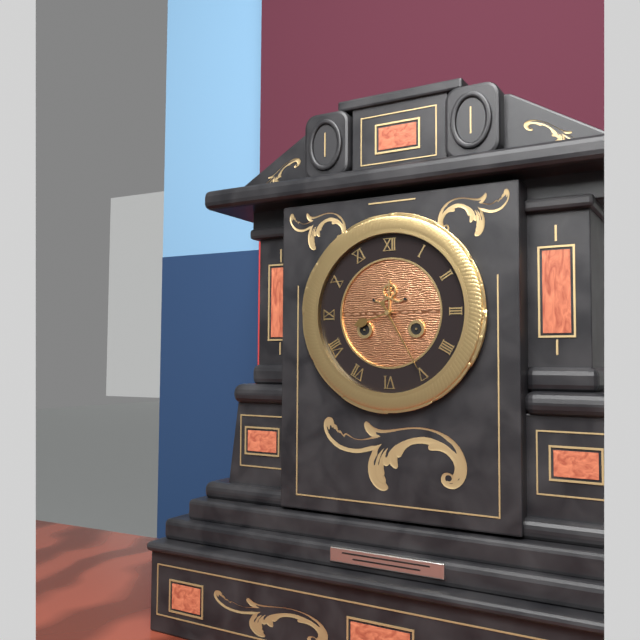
8:25
